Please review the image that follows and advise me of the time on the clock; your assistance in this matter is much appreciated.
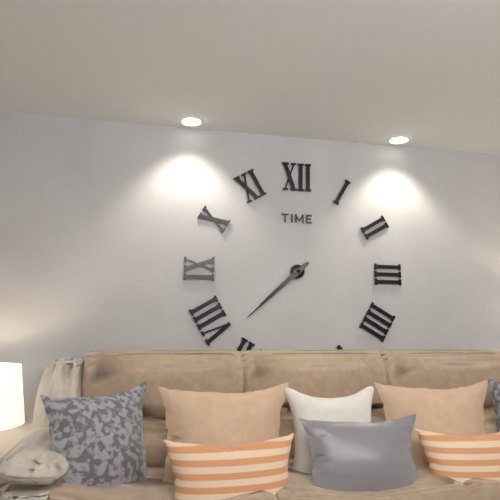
7:38
